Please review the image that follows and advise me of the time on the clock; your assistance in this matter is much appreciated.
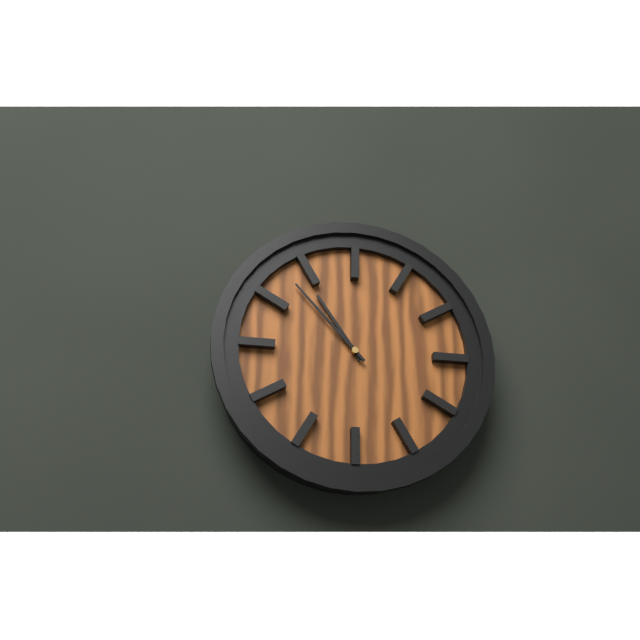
10:53
